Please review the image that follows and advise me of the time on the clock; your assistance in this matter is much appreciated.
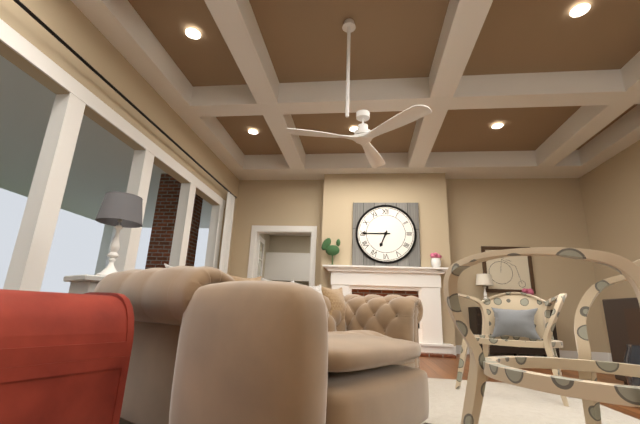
6:45
